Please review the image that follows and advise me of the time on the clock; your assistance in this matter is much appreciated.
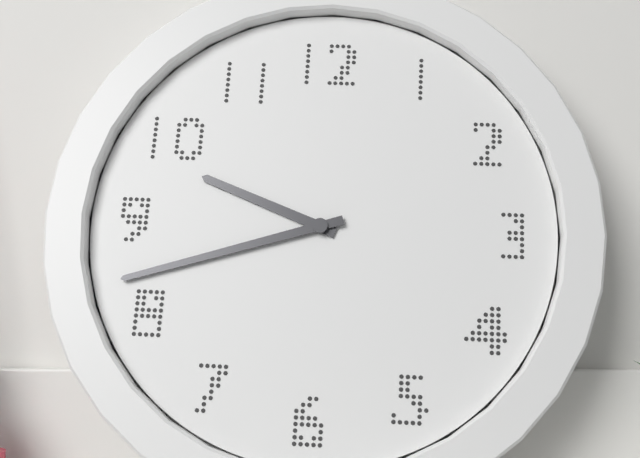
9:42
